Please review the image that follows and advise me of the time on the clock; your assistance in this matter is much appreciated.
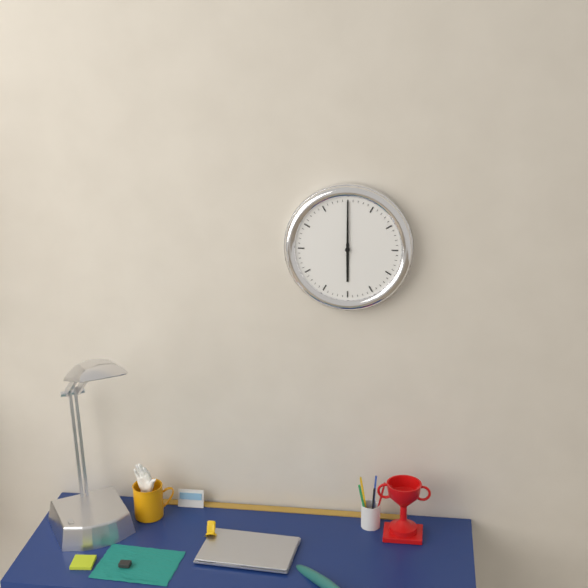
6:00
